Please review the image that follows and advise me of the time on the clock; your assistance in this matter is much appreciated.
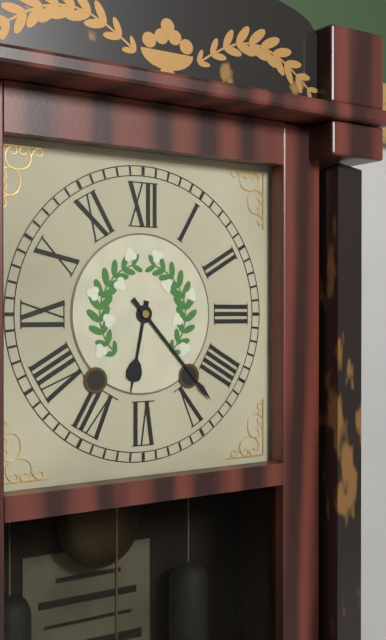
6:23
